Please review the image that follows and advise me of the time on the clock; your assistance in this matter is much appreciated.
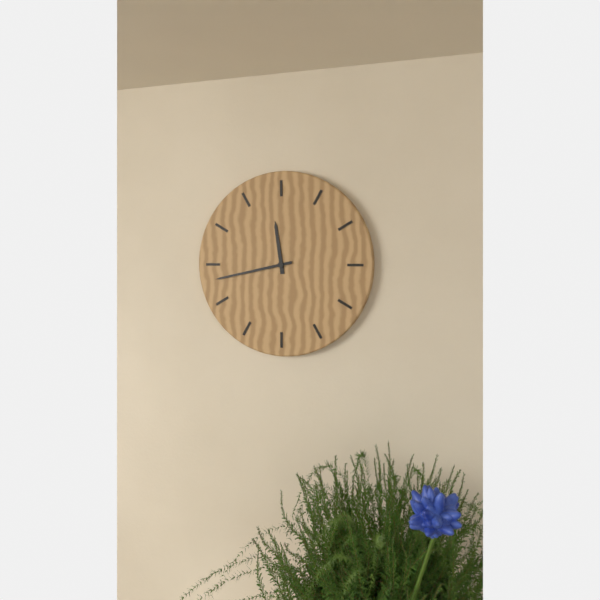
11:43
